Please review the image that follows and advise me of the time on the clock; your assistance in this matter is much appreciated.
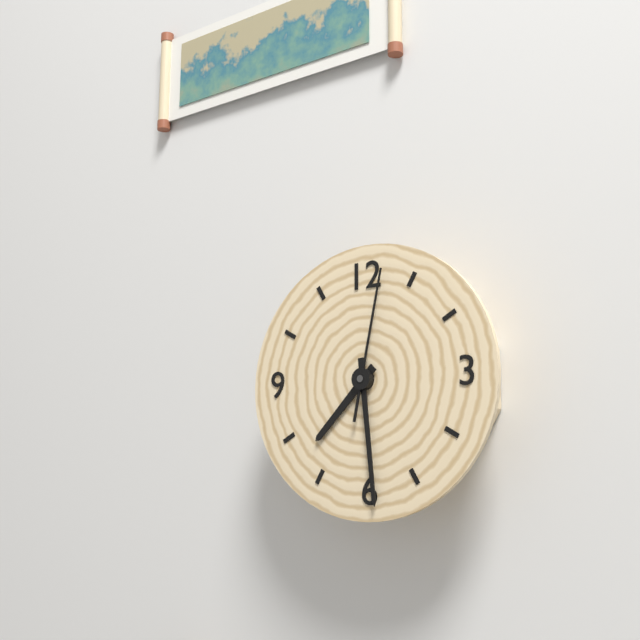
7:29:02
